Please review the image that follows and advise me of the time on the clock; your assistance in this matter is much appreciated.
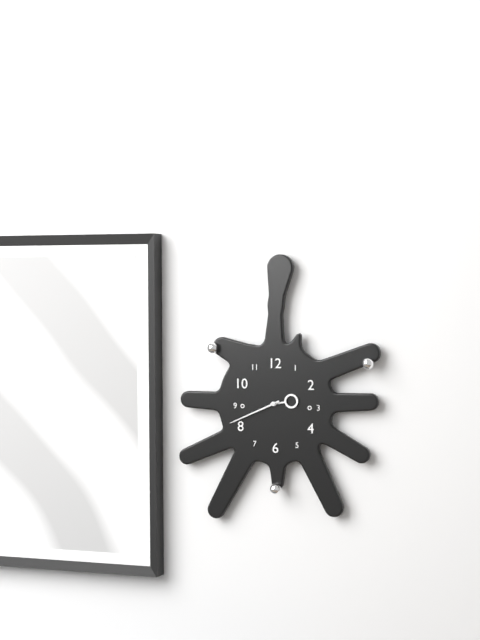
2:41
